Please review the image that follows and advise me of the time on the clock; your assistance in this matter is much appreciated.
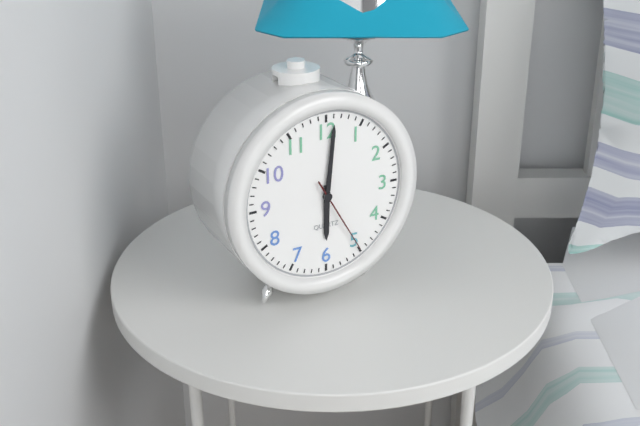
6:01:25
